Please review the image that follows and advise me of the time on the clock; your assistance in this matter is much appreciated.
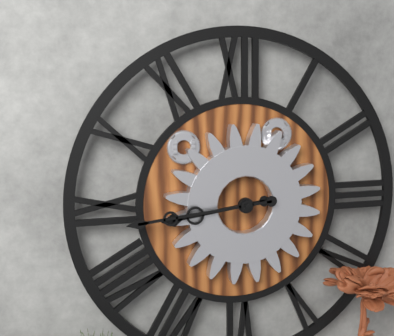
8:44
